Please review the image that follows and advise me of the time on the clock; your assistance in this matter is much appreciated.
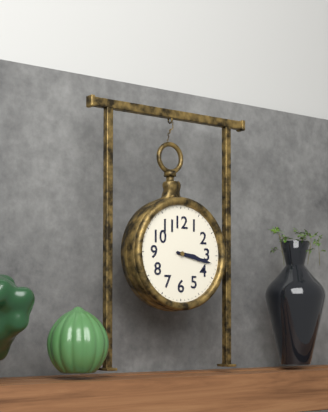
3:17
